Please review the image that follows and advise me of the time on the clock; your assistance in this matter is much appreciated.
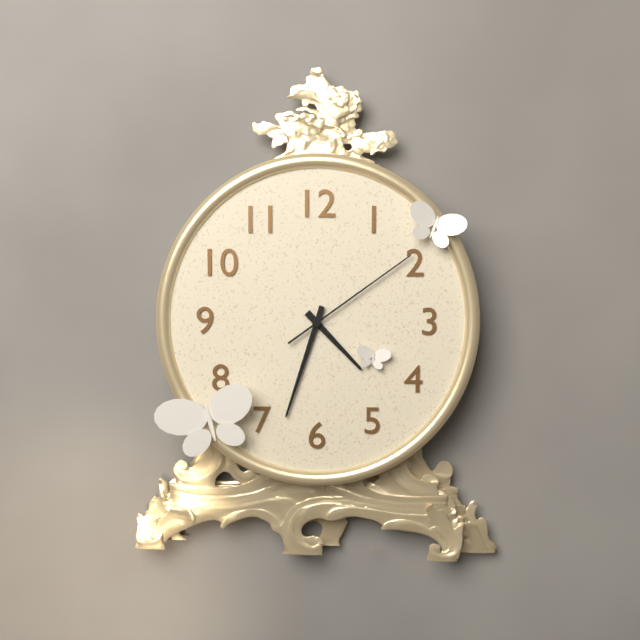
4:33:09
